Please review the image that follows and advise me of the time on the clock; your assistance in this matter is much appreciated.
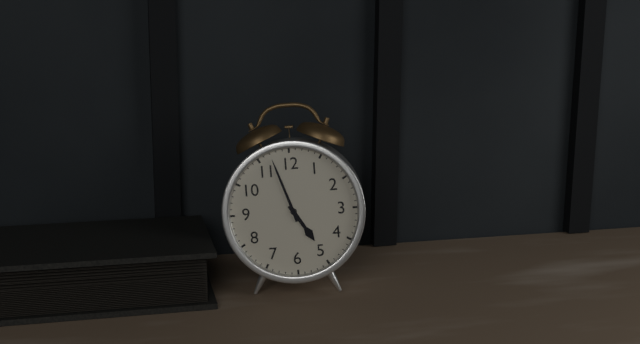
4:57
